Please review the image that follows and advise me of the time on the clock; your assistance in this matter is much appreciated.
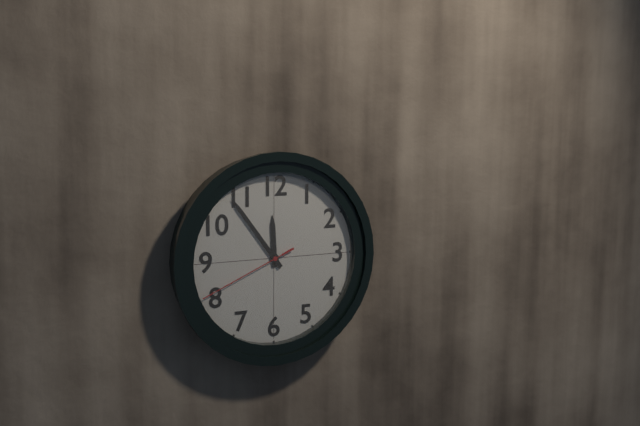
11:54:41
